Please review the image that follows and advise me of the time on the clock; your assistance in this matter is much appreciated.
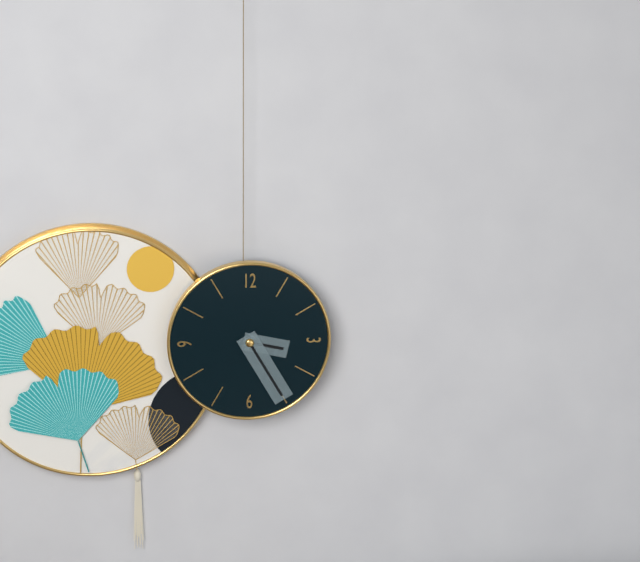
3:25
